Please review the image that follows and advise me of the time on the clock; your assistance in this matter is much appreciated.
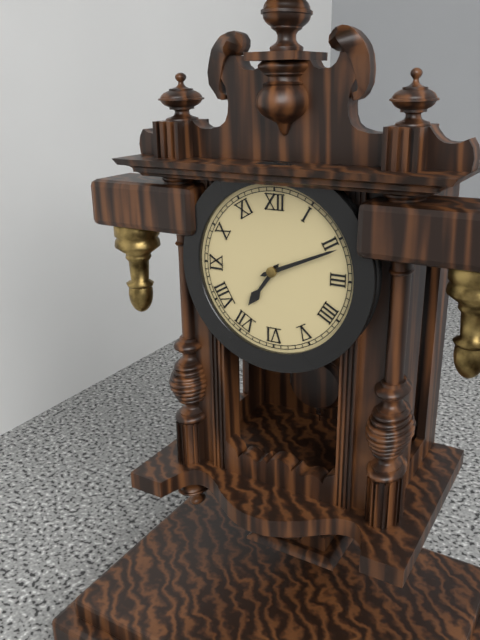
7:11
